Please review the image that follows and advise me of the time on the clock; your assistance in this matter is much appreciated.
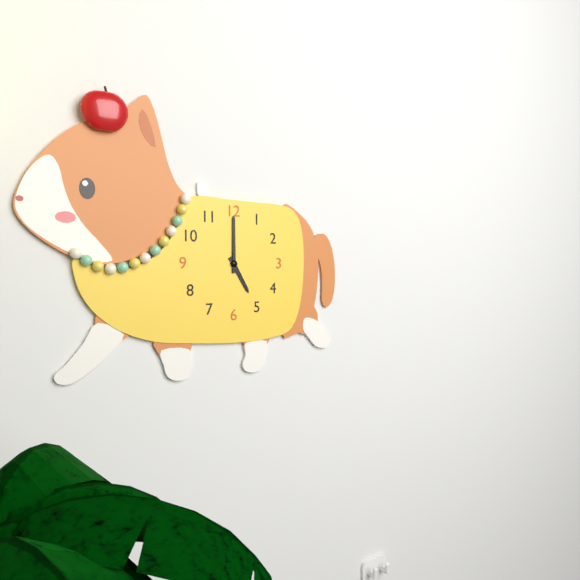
5:00
